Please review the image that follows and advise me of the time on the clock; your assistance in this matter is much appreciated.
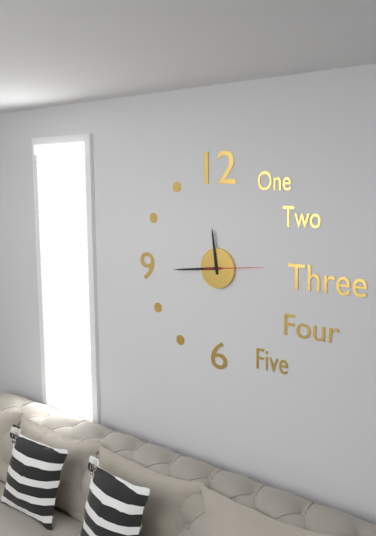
11:44:14
